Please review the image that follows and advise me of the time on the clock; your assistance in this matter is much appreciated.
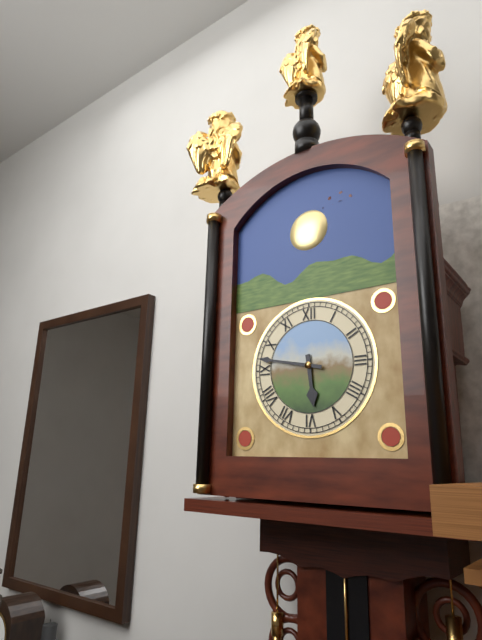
5:47
